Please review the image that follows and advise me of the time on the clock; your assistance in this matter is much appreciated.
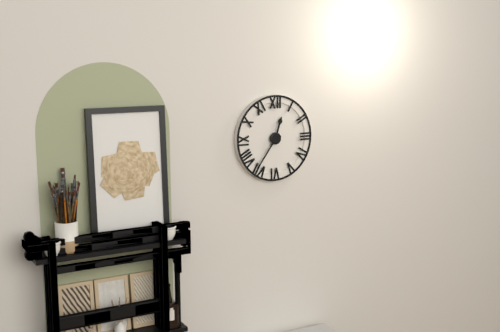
12:36
